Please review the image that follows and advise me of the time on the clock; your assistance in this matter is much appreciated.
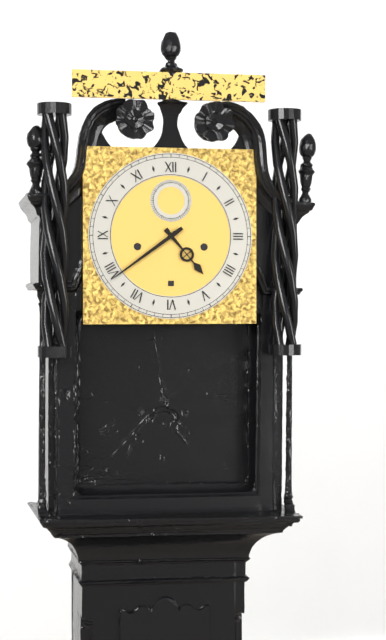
4:39
